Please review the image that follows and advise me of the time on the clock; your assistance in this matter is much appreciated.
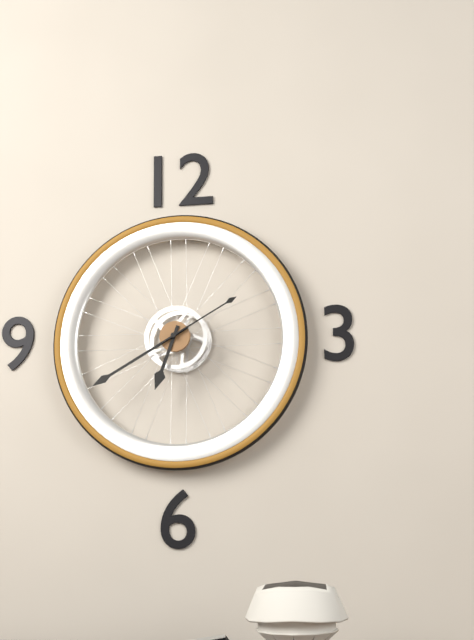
6:40:10
